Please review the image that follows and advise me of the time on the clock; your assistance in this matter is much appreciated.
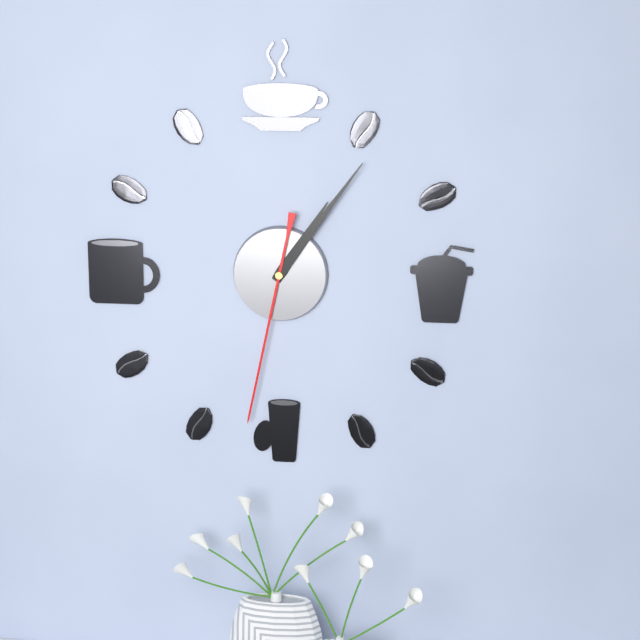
1:06:32
